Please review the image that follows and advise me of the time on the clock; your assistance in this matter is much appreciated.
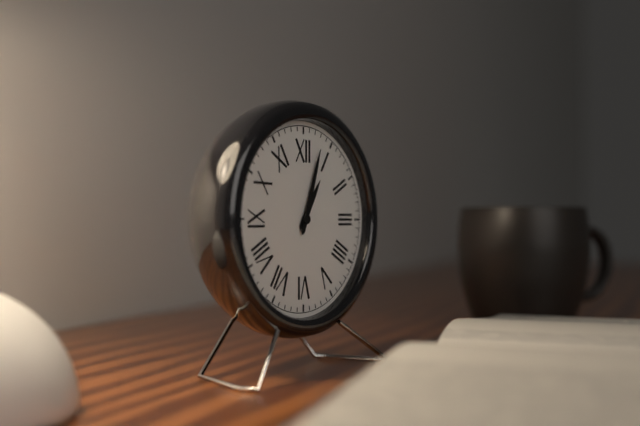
1:03
